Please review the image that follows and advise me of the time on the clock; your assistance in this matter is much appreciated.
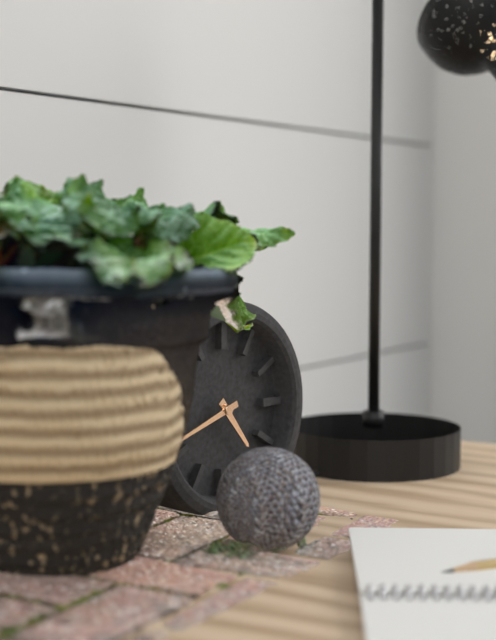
4:42
